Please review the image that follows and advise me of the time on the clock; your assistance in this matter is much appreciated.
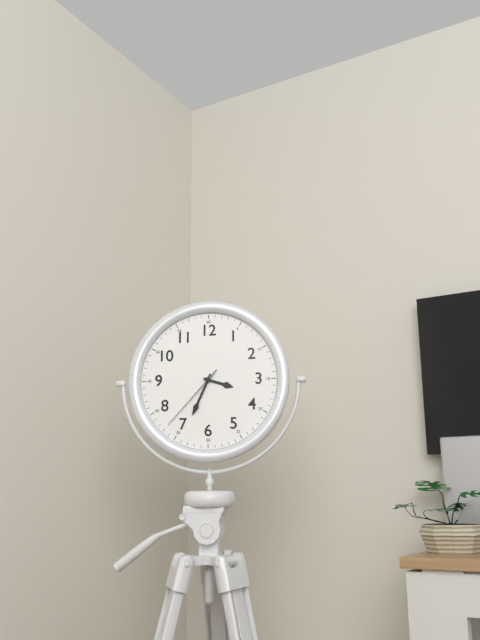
3:34:37
